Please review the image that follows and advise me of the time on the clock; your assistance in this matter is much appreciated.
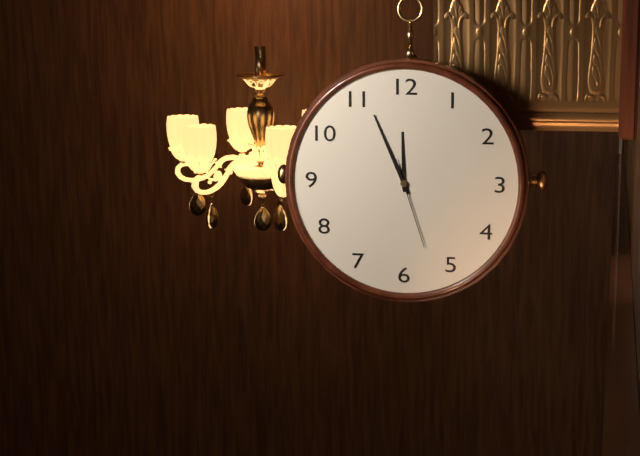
11:56:27
